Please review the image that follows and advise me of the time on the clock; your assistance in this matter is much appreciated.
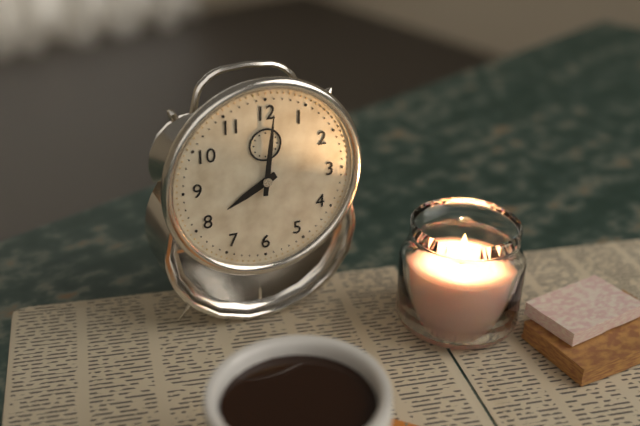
8:01
